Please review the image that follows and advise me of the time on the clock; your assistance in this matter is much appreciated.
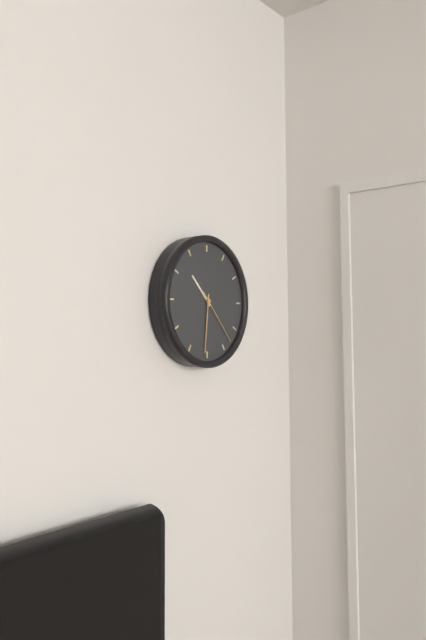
10:31:23
